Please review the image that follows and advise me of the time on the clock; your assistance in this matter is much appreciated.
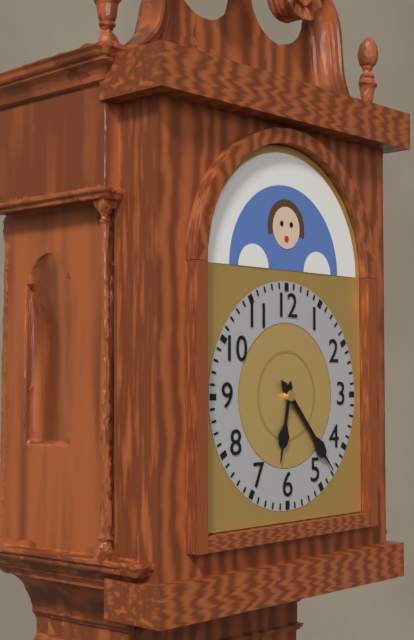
6:23
